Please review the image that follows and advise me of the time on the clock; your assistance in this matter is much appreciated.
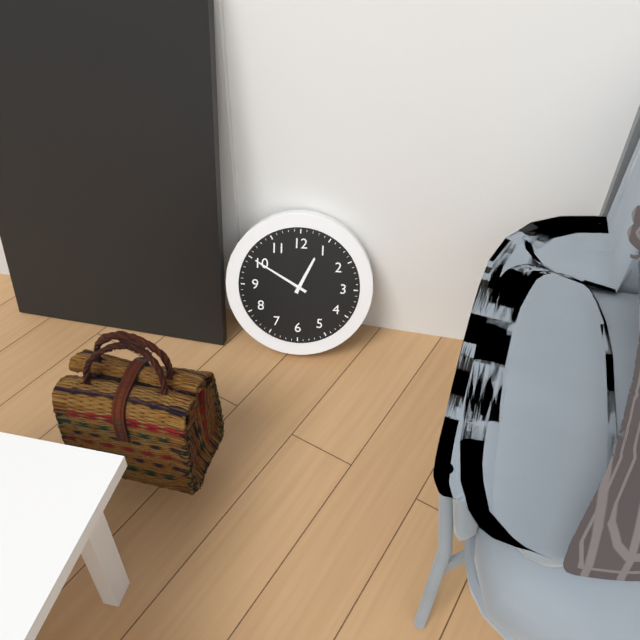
12:50
